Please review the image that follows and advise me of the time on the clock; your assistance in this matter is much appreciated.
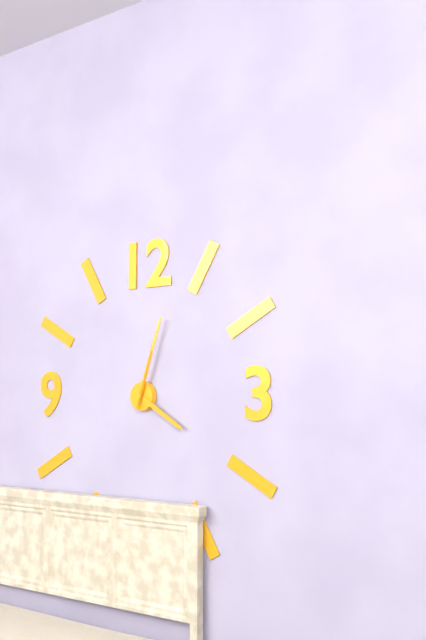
4:03:03
